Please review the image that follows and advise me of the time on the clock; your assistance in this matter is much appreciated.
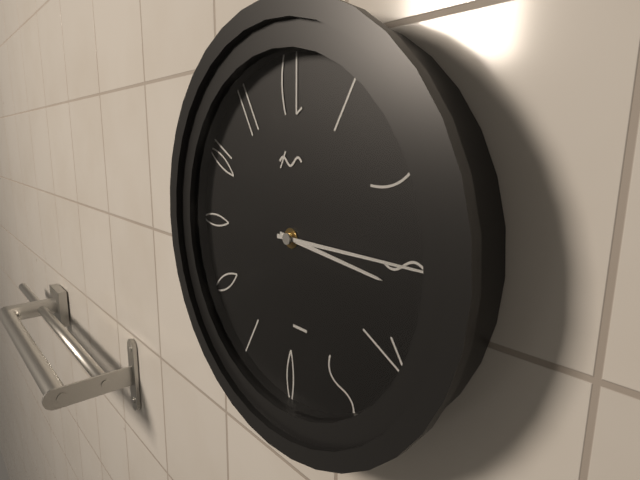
3:15
